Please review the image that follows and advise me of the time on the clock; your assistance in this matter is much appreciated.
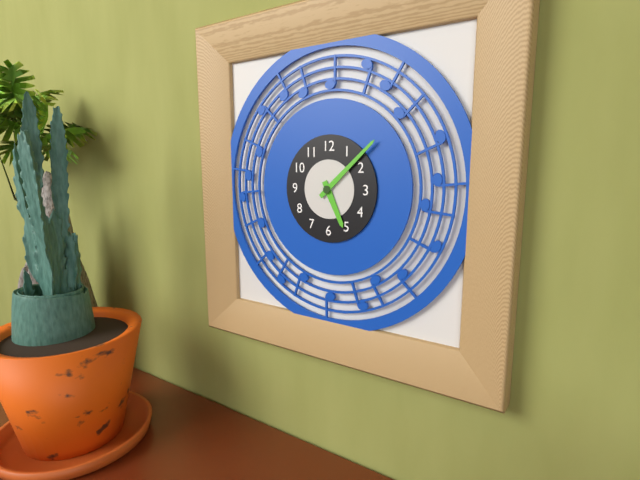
5:08
